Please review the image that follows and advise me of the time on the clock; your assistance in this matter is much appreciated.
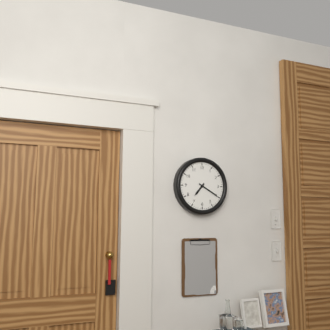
7:20
